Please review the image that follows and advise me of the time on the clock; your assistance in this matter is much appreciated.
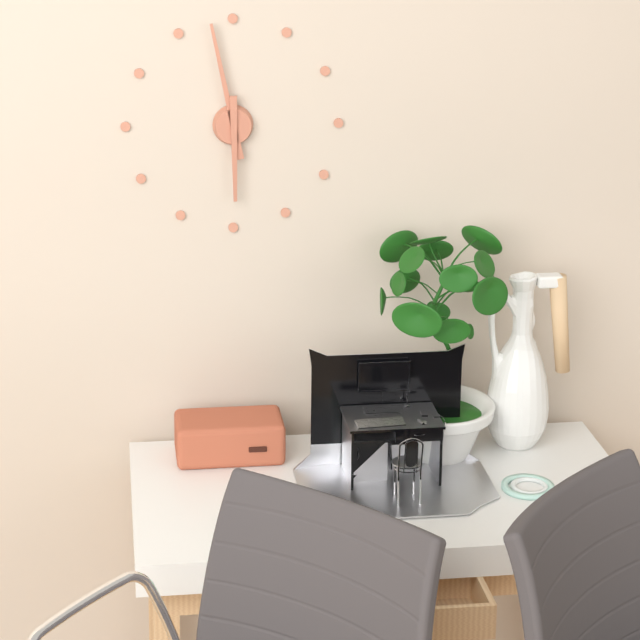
5:58
